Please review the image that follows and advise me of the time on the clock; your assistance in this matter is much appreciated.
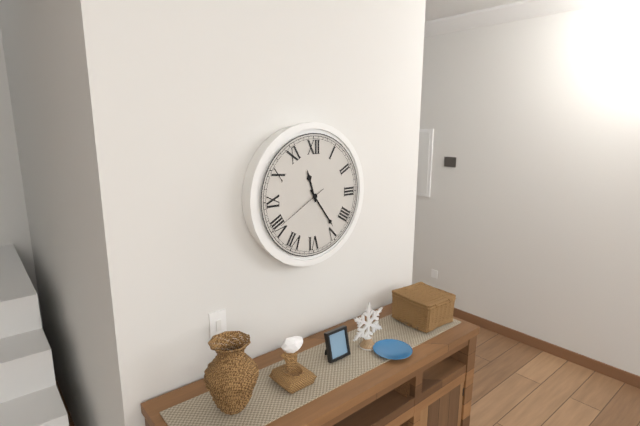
11:24:40
